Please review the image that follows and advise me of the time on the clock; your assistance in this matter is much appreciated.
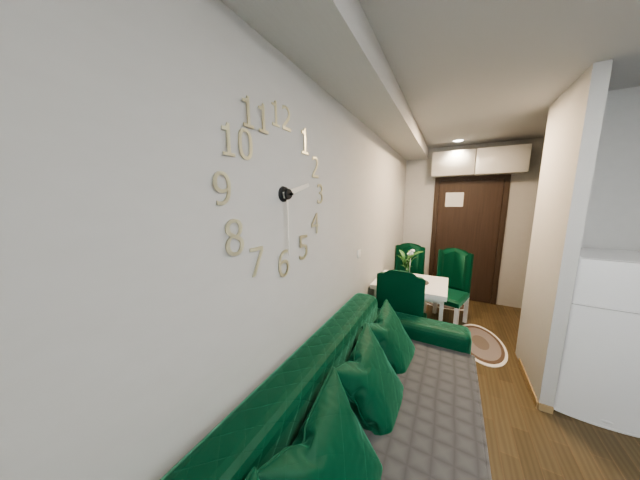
2:30
